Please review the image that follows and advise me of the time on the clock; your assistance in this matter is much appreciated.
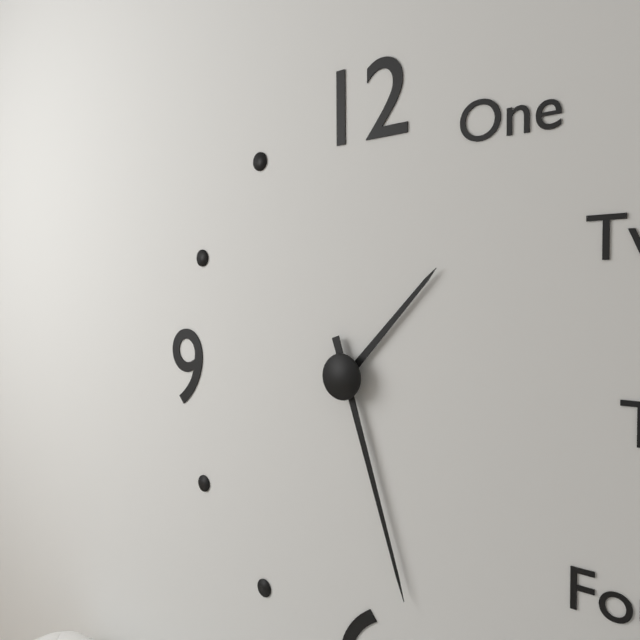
1:27
